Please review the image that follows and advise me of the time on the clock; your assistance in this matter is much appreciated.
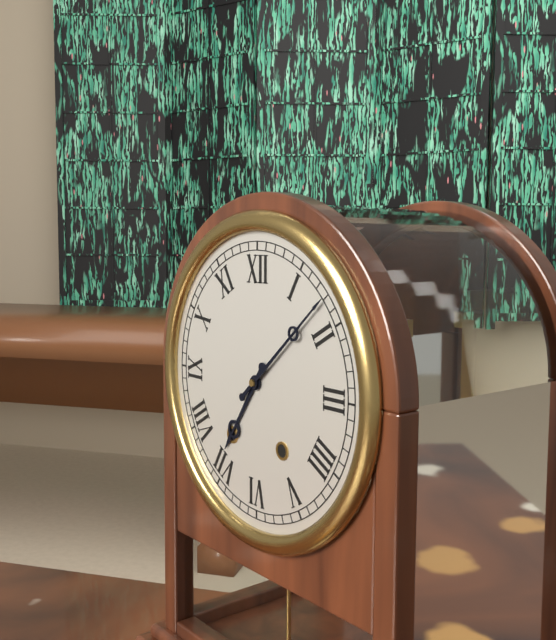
7:08
